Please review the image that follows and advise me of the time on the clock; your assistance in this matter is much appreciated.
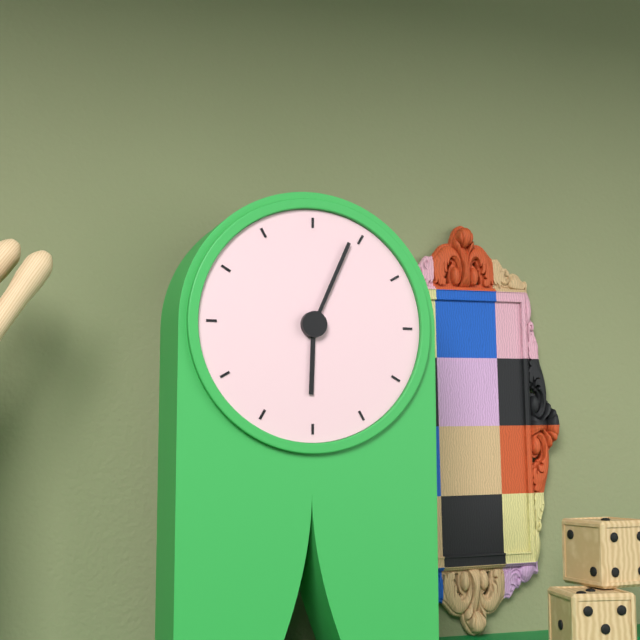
6:04
